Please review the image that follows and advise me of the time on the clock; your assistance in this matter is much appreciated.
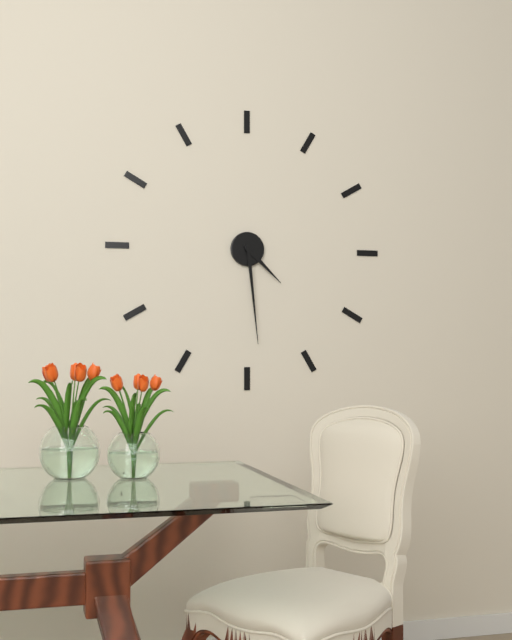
4:29
